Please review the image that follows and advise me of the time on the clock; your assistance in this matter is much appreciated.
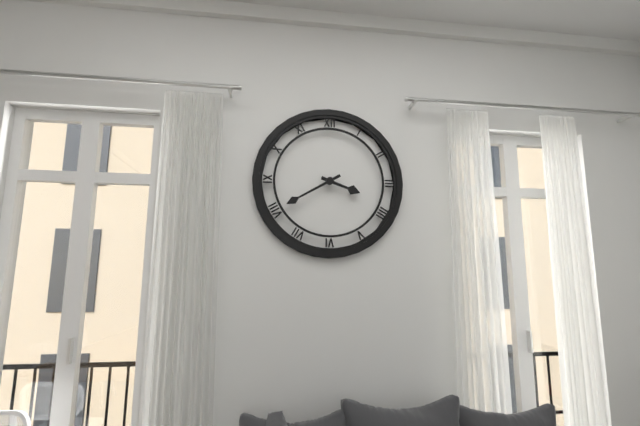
3:40
